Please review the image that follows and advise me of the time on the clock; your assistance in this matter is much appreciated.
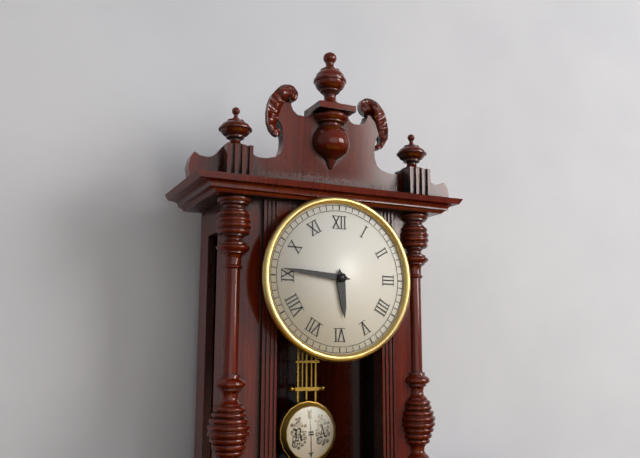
5:46
